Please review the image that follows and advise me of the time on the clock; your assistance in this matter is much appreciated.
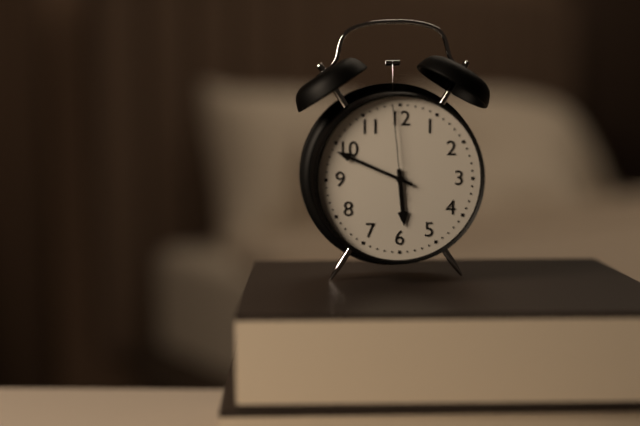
5:49:59
